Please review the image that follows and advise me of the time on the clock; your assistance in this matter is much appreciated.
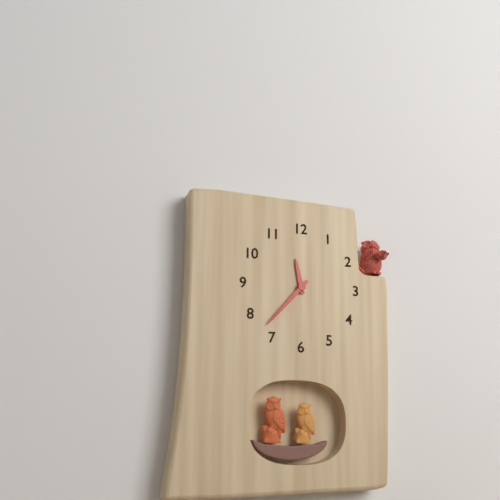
11:37
